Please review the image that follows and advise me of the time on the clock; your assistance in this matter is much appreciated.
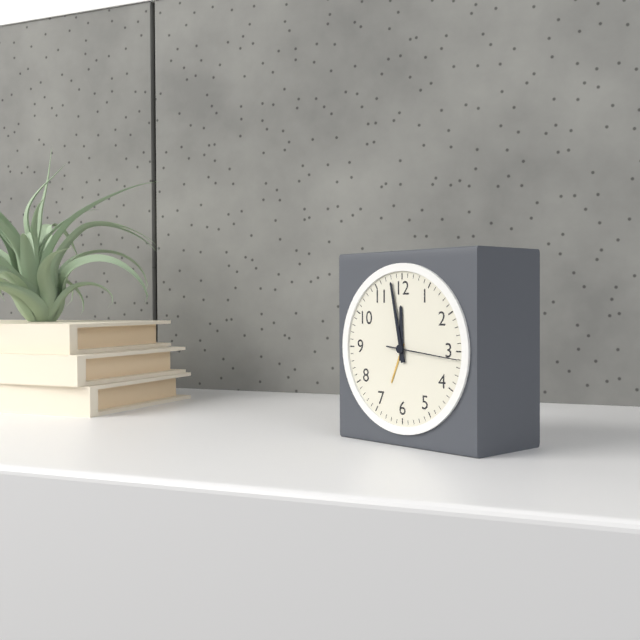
11:58:16
